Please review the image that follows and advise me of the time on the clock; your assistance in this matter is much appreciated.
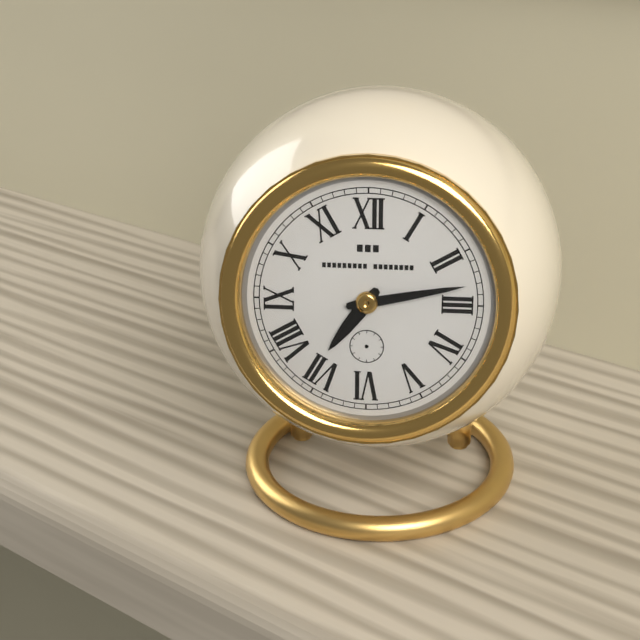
7:13
